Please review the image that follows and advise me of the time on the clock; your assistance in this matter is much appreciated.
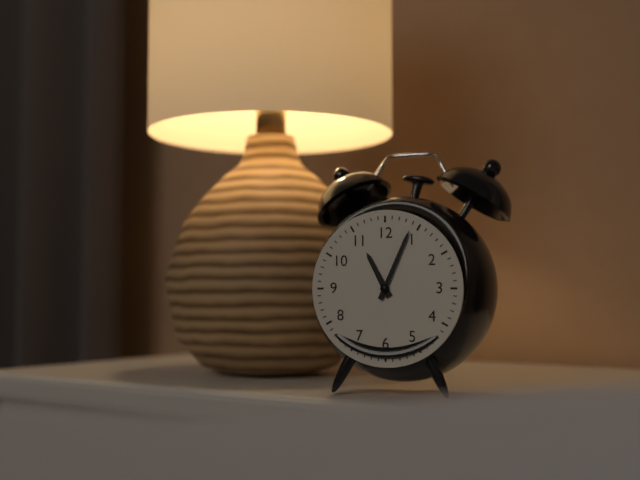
11:04
